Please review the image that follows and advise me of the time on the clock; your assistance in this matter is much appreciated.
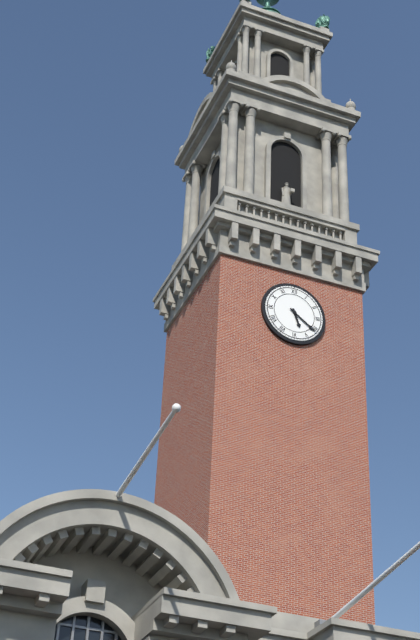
5:21
